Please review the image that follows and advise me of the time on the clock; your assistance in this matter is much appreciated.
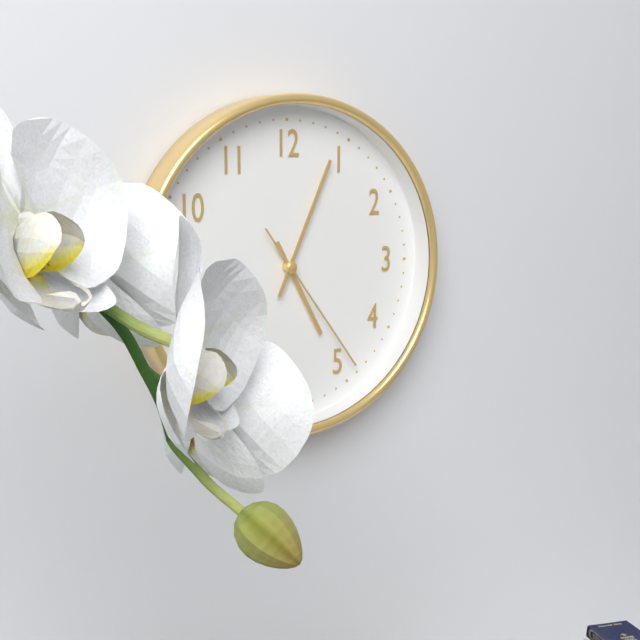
5:04:24
